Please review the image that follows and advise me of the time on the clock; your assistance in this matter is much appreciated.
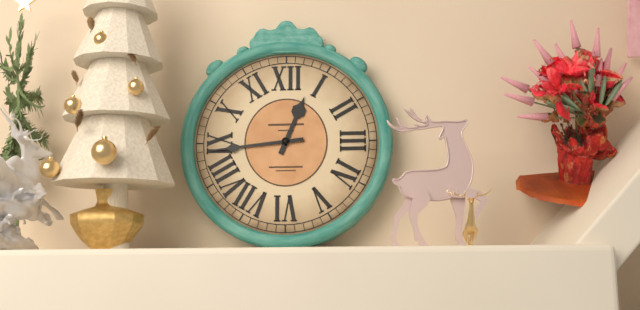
12:44
